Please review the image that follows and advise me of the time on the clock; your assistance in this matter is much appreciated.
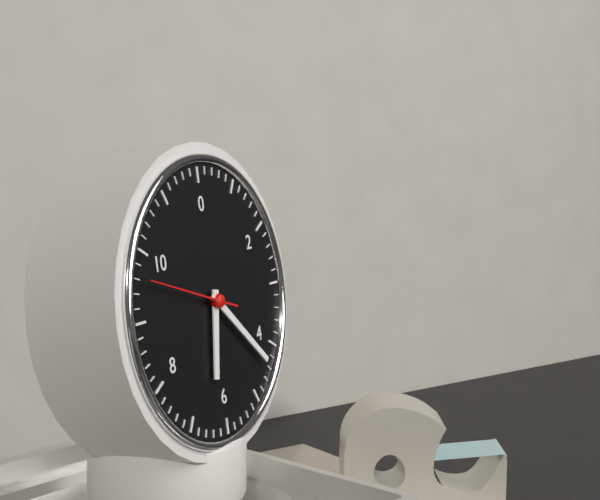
6:22:48
